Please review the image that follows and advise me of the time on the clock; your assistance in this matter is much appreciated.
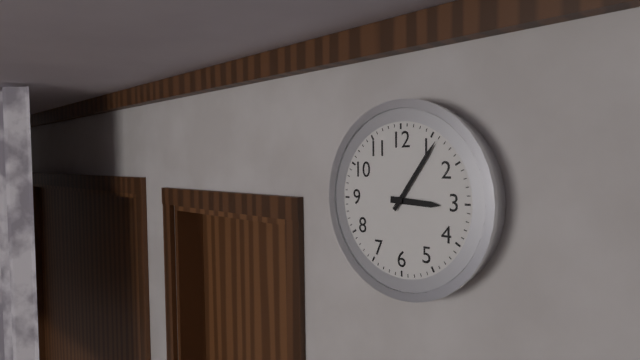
3:06
